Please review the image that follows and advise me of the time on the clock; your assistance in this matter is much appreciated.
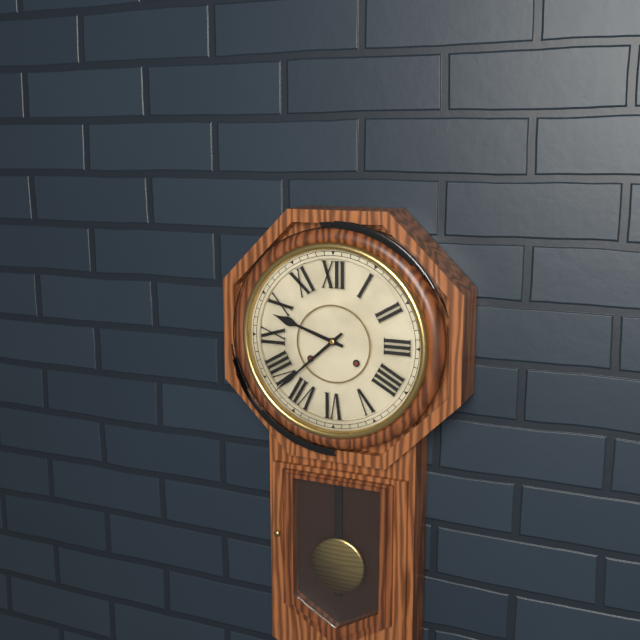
9:38
